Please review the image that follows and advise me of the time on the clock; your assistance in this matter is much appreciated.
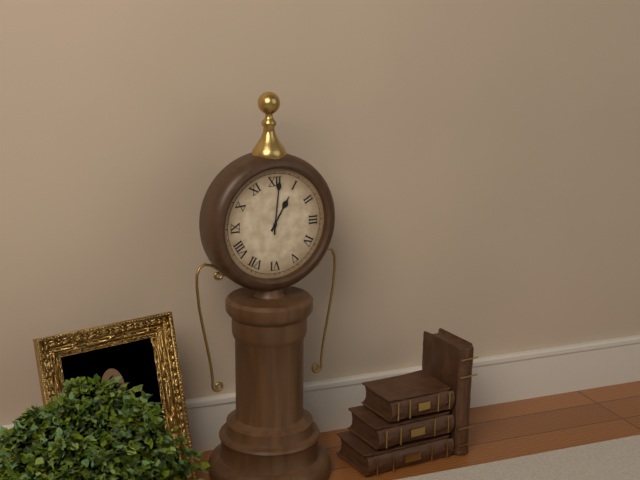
1:01
